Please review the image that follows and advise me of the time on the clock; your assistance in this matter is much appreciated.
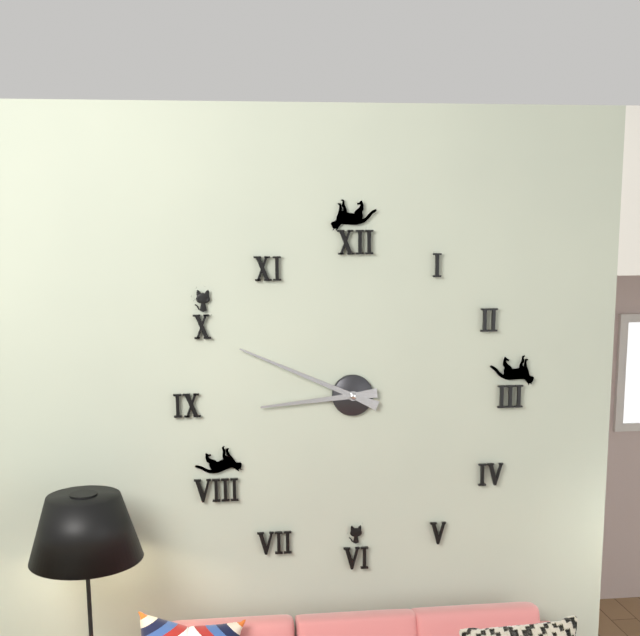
8:49
